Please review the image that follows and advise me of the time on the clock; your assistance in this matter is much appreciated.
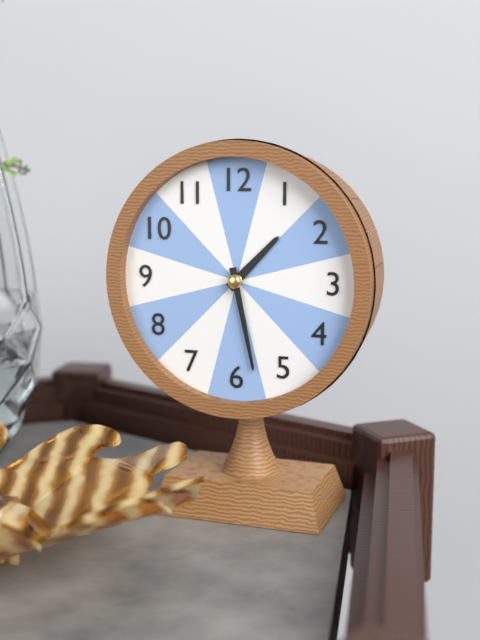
1:28
